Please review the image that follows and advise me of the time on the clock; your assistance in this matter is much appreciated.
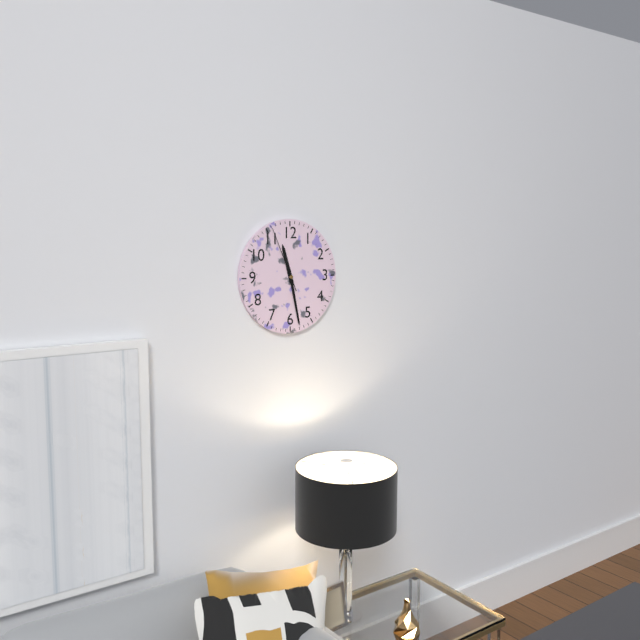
11:28:56
